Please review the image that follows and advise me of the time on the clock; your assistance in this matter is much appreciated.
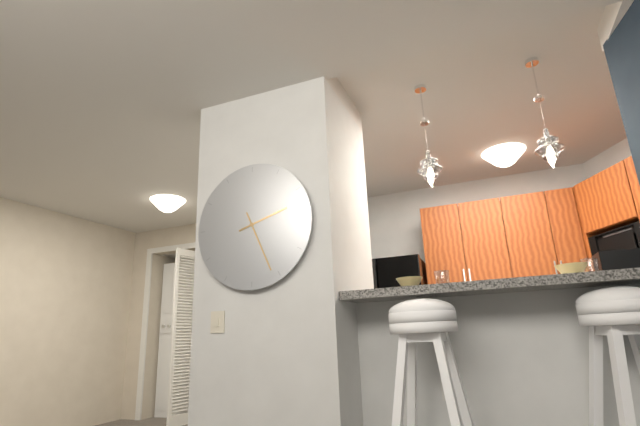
2:26
